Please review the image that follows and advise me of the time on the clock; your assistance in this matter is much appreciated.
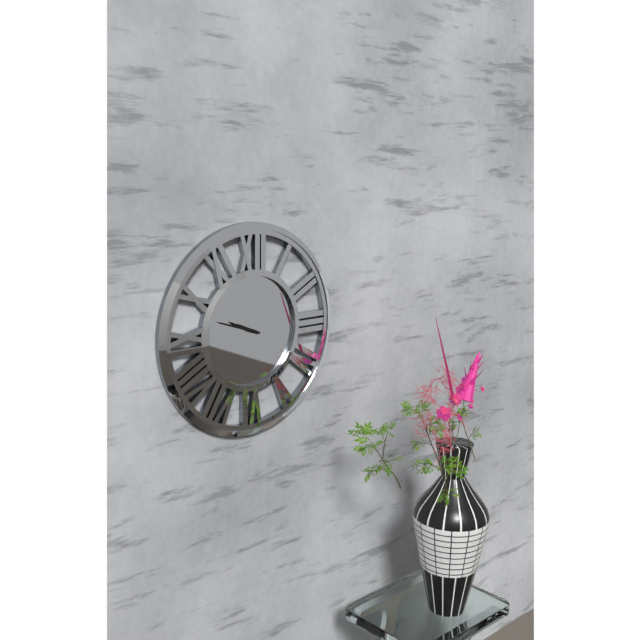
9:48
